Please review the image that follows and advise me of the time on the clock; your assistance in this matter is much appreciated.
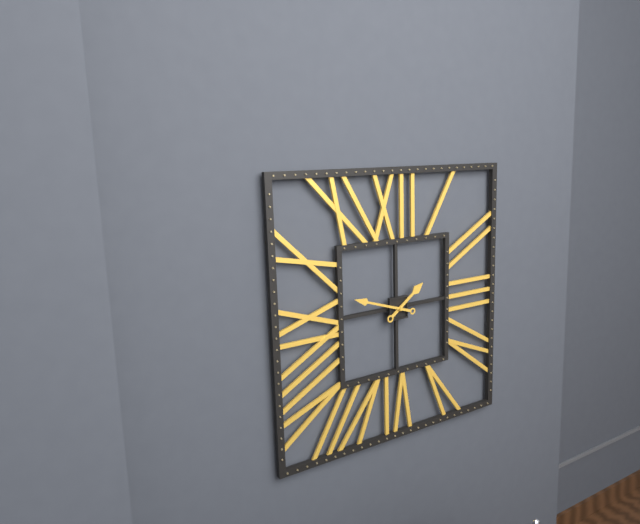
1:48
